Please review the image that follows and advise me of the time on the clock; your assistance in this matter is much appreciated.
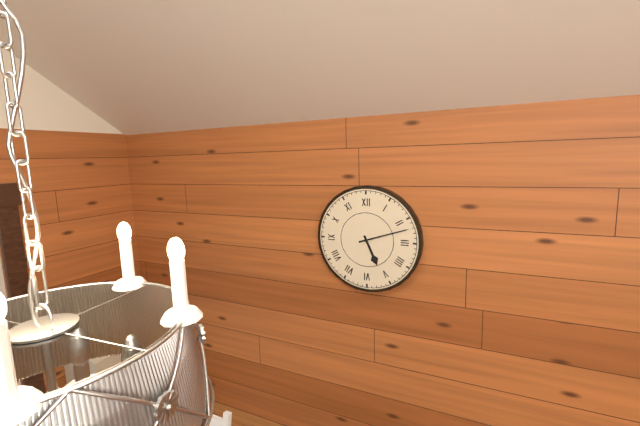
5:12
